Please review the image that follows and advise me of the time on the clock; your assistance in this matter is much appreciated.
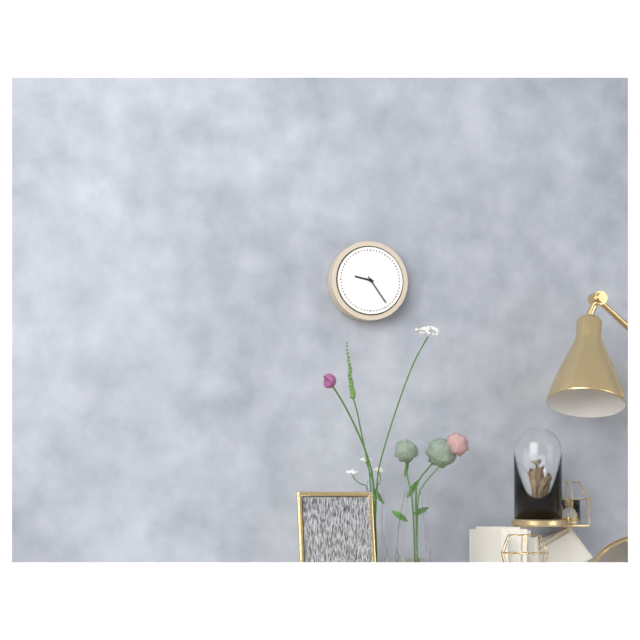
9:24
